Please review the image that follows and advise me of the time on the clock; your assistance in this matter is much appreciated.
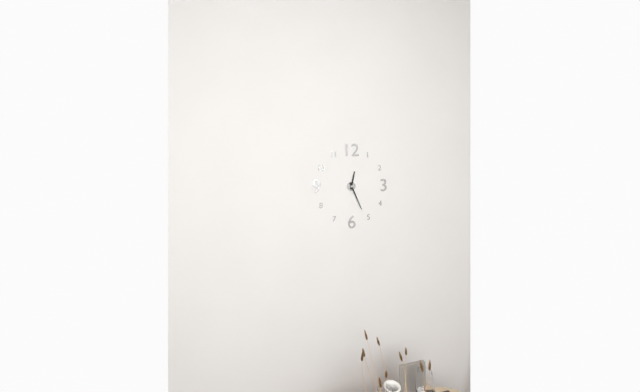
12:26
